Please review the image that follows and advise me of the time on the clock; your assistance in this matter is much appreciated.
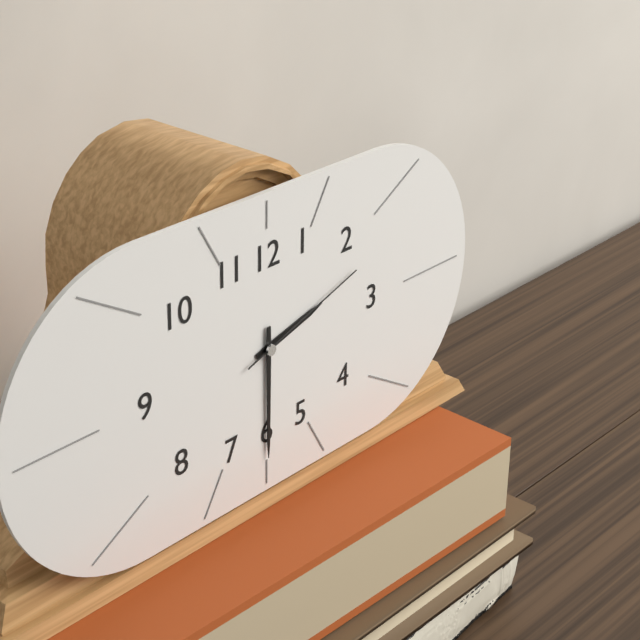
2:30:12
